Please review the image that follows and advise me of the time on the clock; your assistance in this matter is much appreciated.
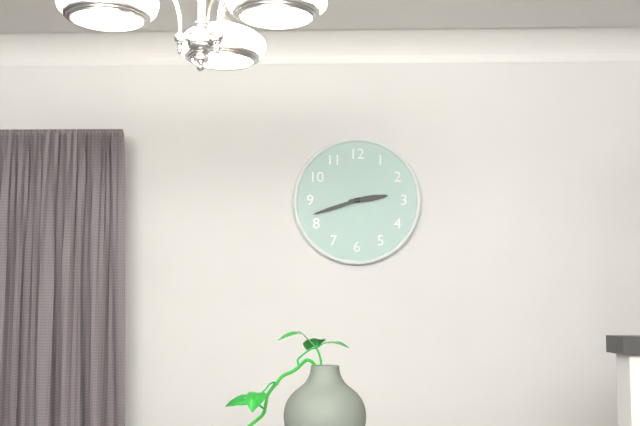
2:42
